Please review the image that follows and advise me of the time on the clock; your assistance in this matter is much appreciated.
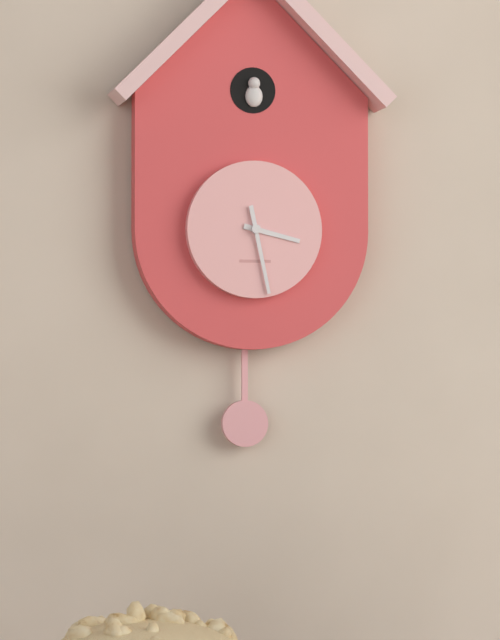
3:28
